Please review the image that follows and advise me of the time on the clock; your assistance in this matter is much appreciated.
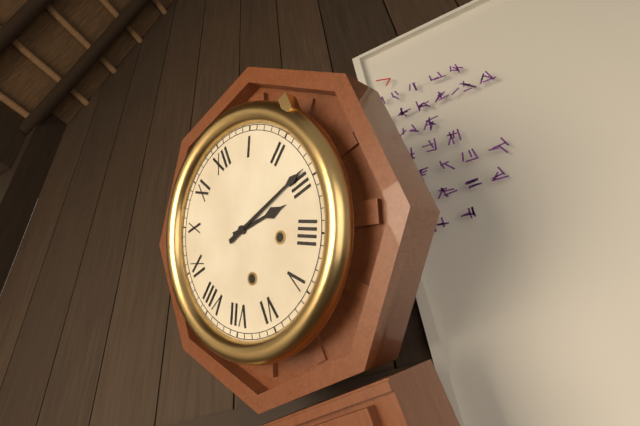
3:14
